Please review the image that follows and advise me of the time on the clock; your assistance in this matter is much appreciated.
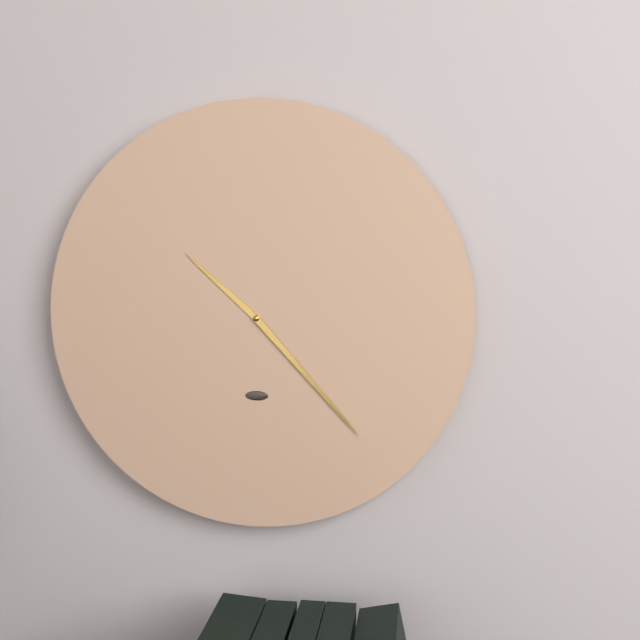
10:23
